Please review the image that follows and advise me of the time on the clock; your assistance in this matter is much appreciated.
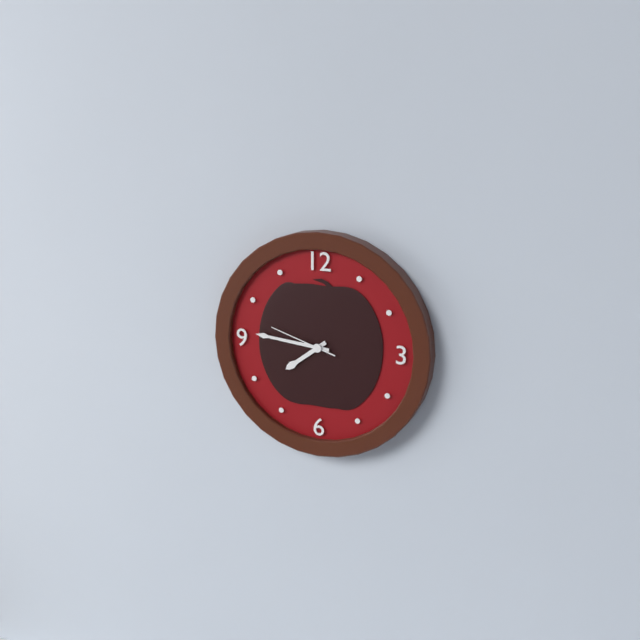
7:46:48
